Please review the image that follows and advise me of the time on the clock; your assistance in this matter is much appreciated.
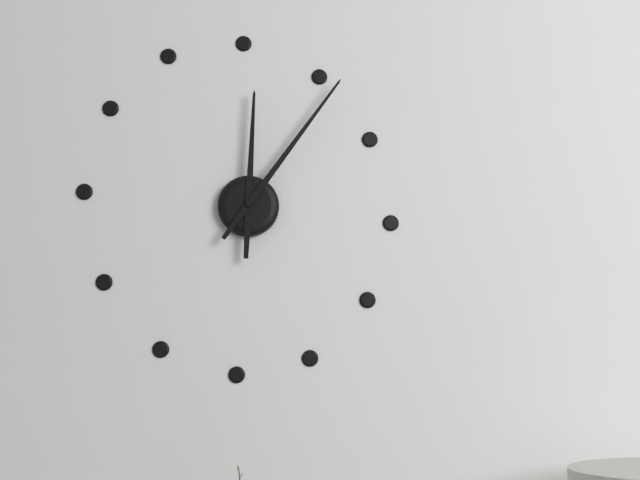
12:06
